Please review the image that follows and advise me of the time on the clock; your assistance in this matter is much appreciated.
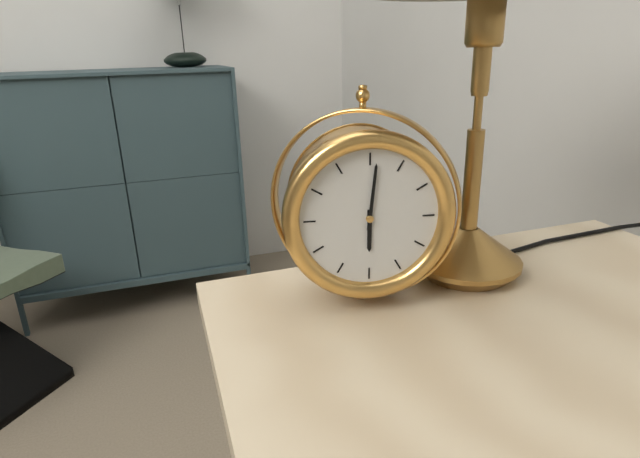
6:01
